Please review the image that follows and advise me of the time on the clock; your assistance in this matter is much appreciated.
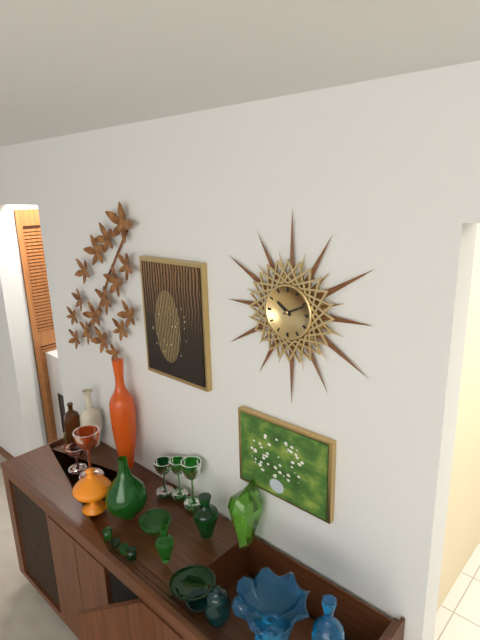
10:11
